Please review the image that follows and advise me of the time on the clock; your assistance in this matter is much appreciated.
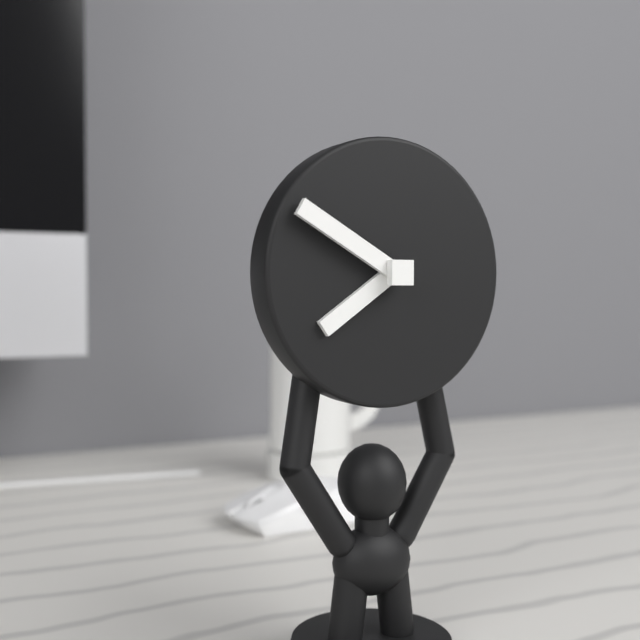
7:50
